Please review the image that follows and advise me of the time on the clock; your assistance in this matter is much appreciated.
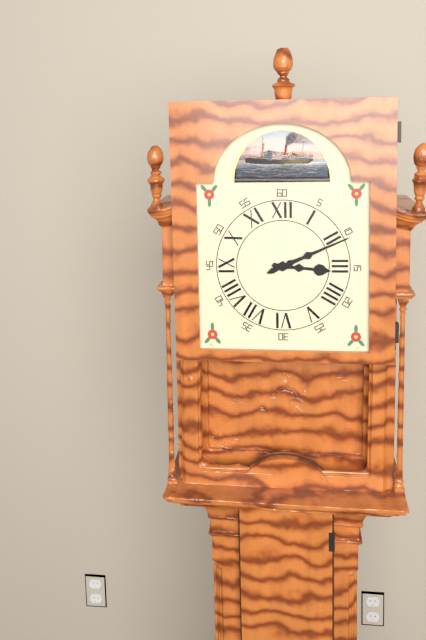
3:11
